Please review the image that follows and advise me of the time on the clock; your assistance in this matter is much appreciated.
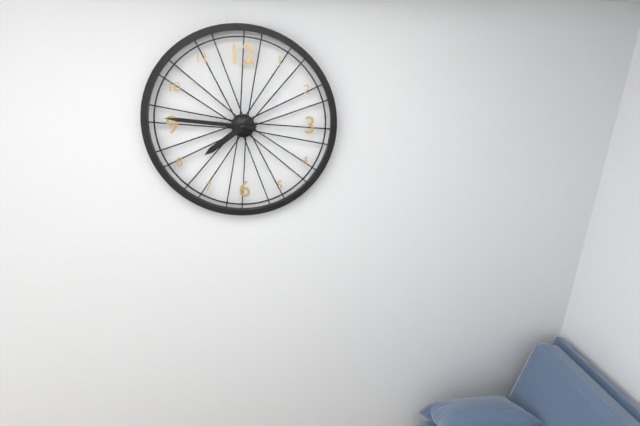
7:46
